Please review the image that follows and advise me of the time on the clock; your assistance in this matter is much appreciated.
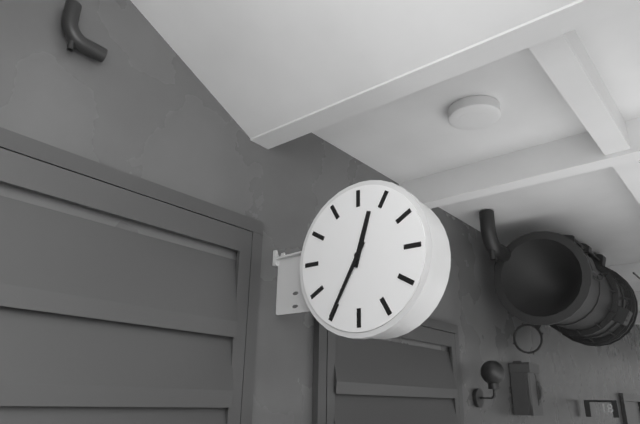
12:35
